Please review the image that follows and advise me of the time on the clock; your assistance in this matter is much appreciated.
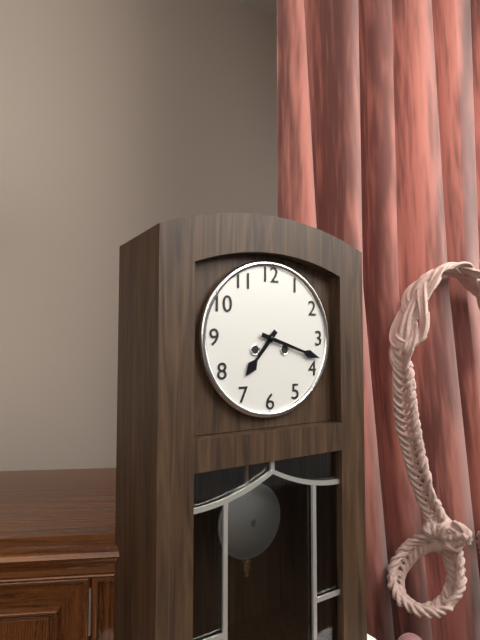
7:18
